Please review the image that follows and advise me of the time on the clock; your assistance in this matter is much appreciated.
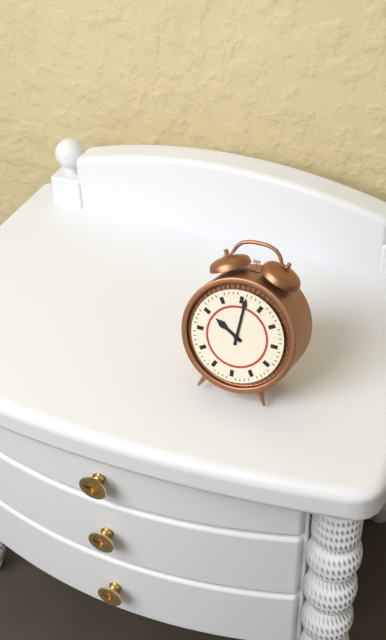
10:01
